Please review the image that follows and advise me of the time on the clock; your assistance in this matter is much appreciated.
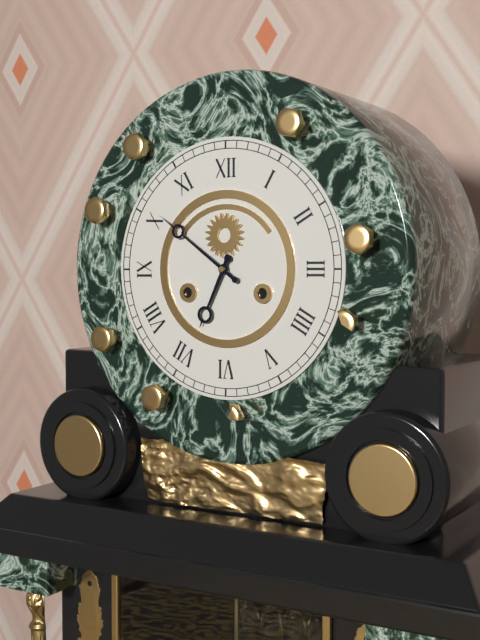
6:51
